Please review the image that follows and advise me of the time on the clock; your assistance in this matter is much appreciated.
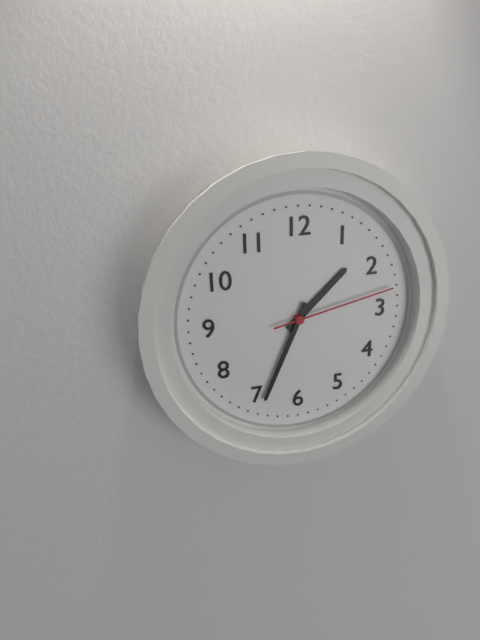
1:34:13
